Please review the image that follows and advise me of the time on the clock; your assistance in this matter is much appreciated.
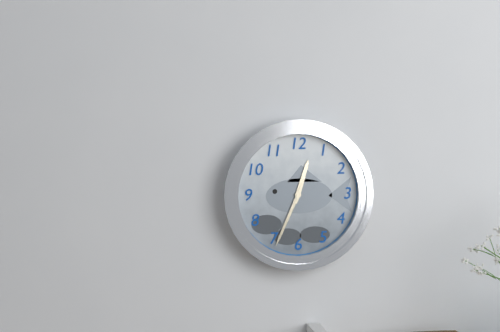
12:34
